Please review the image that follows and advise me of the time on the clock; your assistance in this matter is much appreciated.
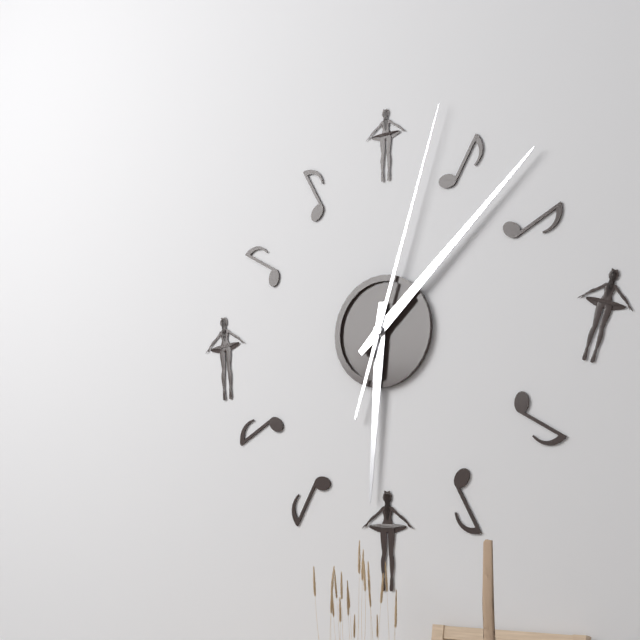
6:08:03
